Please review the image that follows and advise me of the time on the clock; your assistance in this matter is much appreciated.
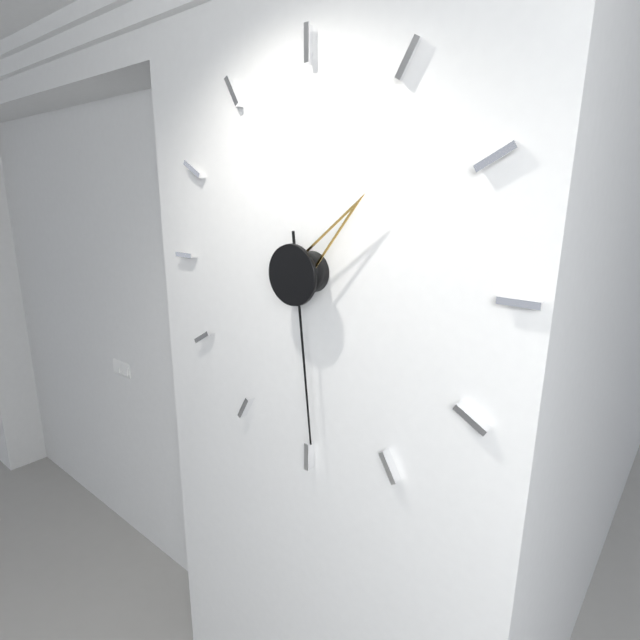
1:29
